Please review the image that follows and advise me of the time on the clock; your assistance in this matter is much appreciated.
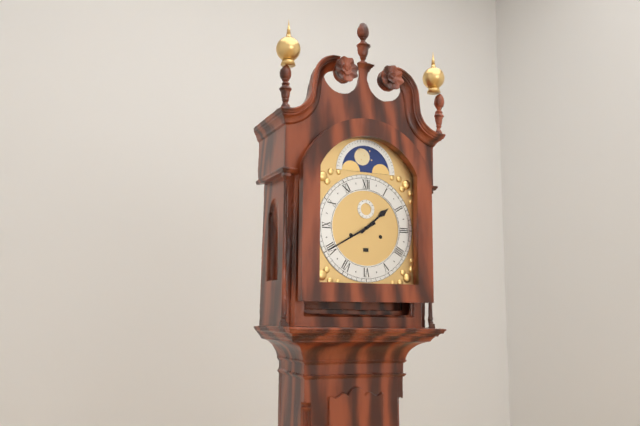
1:40
